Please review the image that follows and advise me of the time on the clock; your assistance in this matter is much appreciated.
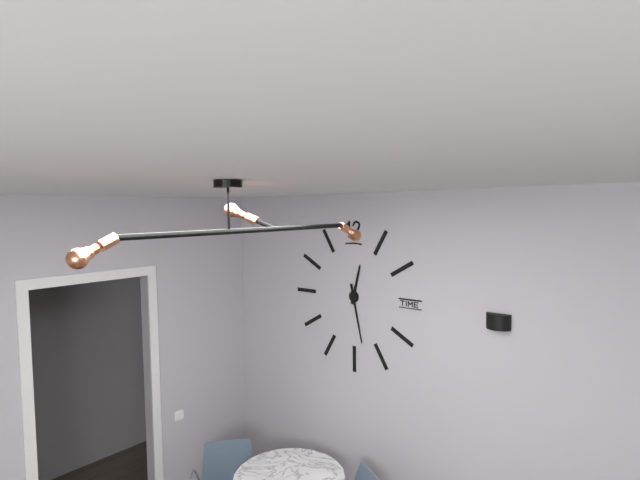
12:28
